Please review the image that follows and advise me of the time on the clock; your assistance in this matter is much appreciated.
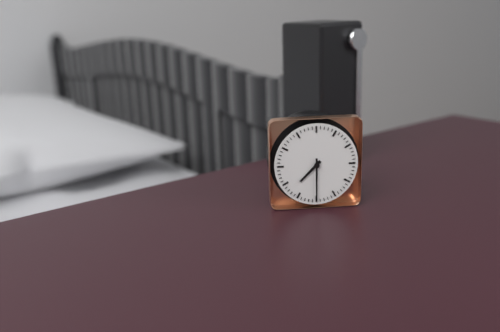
7:30
